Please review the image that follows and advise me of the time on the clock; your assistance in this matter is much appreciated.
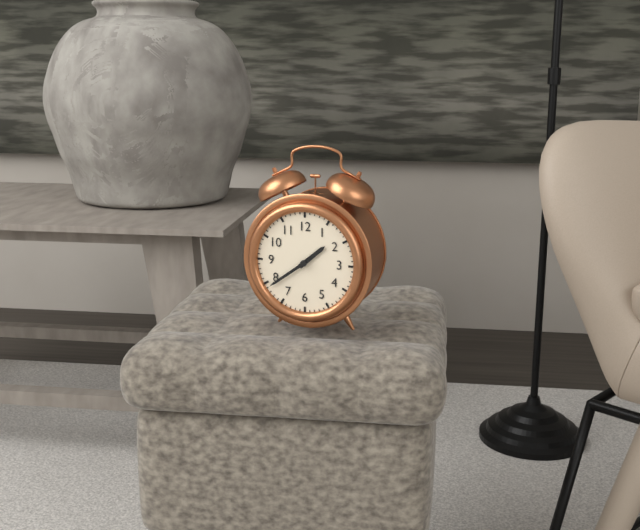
1:39
